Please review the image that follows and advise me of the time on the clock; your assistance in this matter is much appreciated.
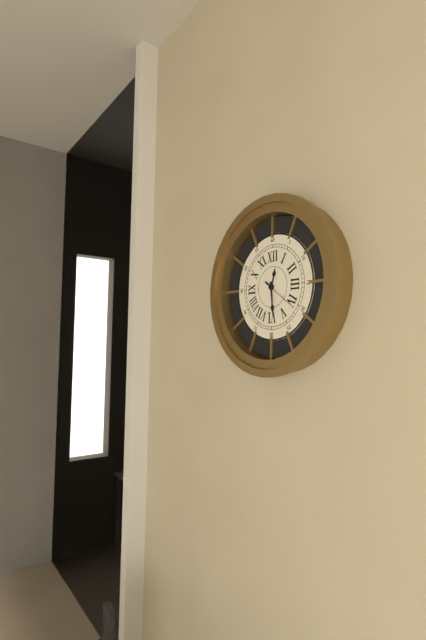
12:29
